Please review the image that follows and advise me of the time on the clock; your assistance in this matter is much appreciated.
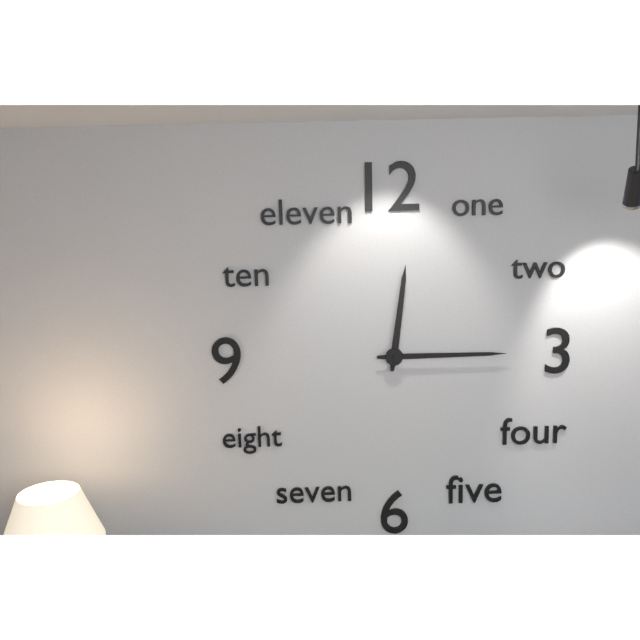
12:15
